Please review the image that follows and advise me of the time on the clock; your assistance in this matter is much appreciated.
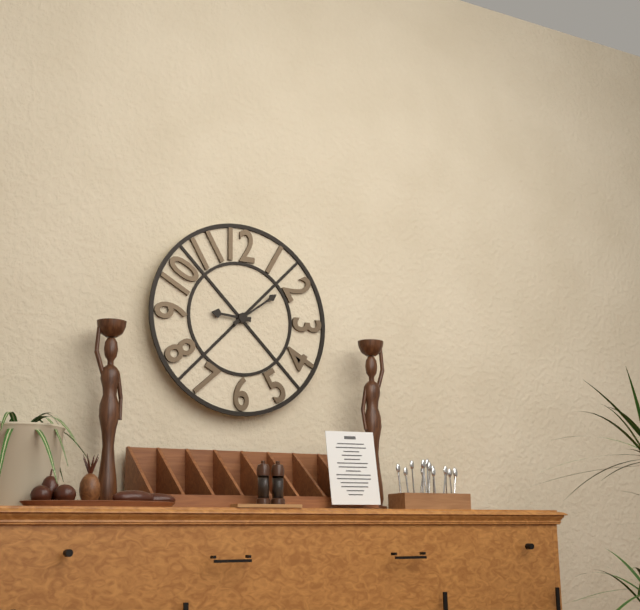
9:09
